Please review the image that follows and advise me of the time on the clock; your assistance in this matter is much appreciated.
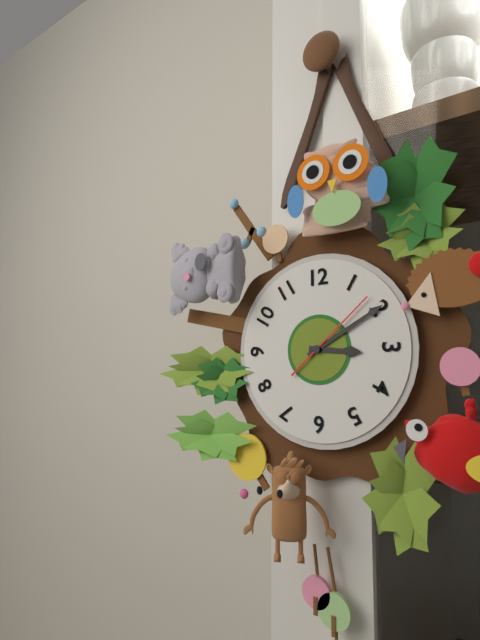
3:10:08
